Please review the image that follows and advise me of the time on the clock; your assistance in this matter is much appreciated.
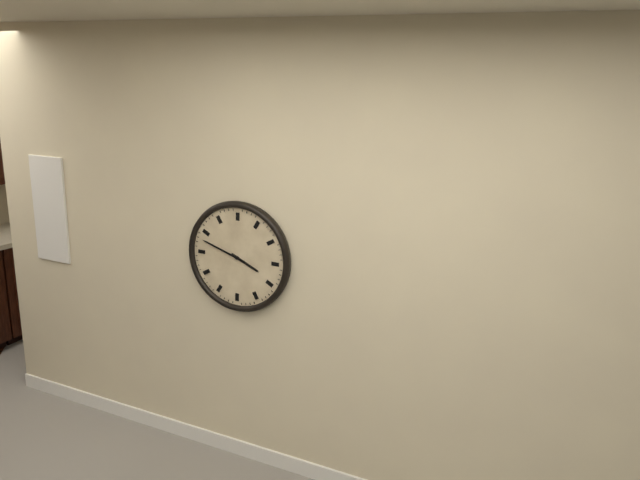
3:48
